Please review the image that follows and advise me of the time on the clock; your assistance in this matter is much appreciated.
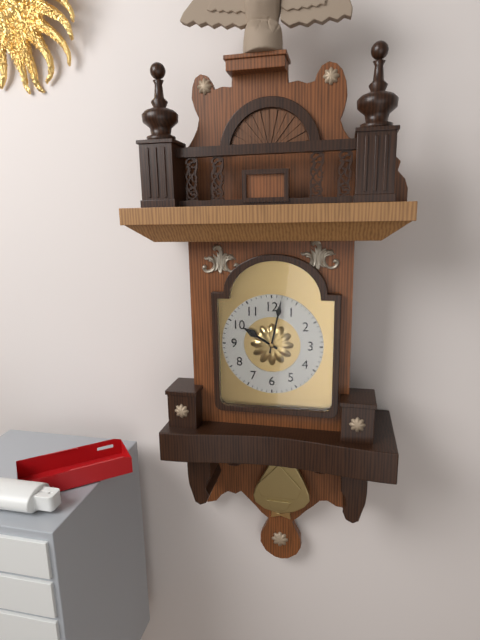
10:02
